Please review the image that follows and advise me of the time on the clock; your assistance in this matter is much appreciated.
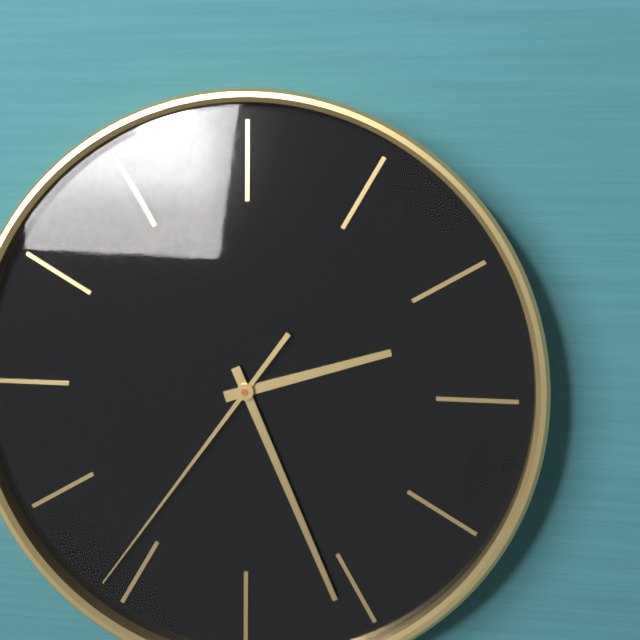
2:26:36
